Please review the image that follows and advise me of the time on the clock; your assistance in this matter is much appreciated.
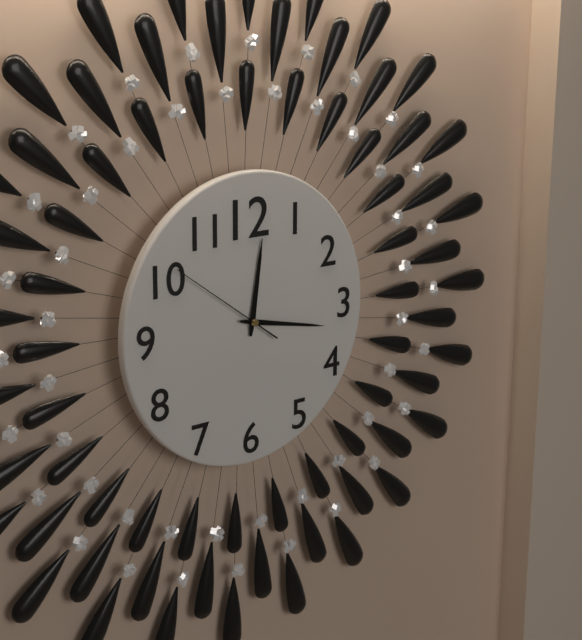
12:17:51
